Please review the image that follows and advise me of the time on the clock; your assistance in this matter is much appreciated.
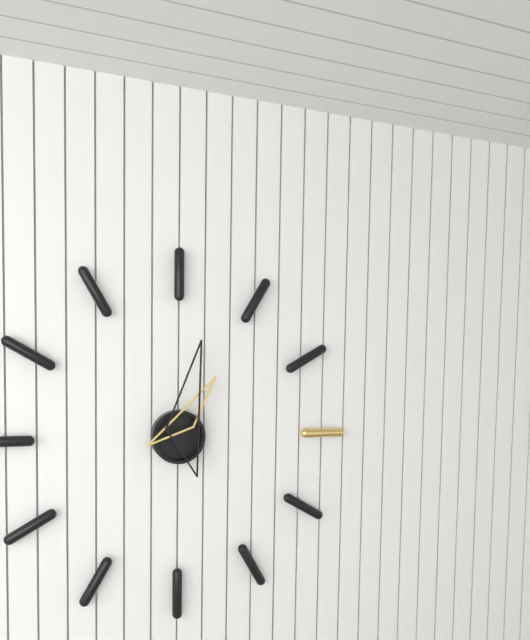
1:02
